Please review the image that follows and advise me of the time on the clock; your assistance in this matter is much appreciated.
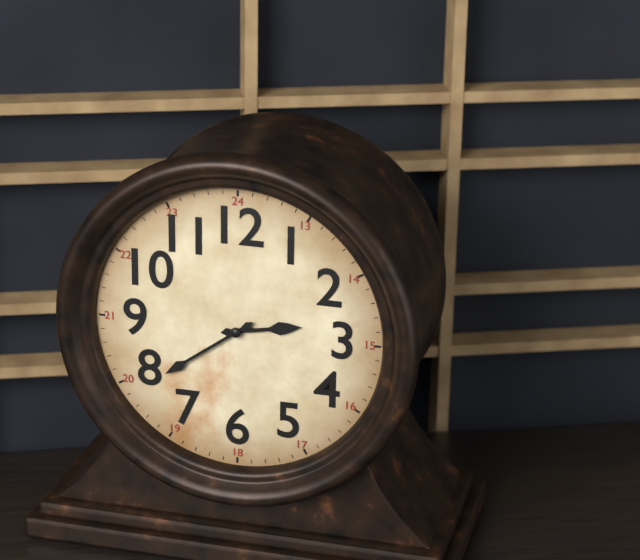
2:39
